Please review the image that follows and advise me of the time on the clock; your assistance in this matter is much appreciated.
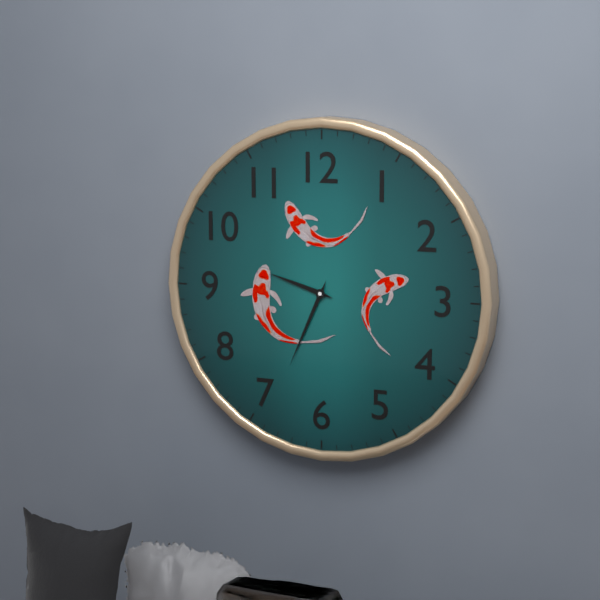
9:34
